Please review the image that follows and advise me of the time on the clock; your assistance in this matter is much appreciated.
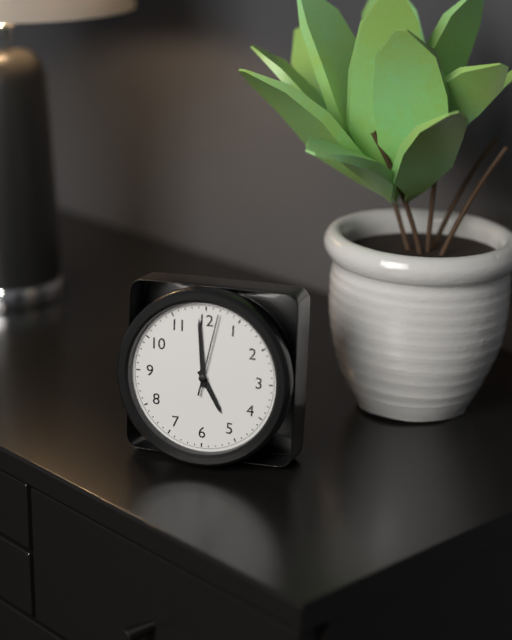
4:59:02
